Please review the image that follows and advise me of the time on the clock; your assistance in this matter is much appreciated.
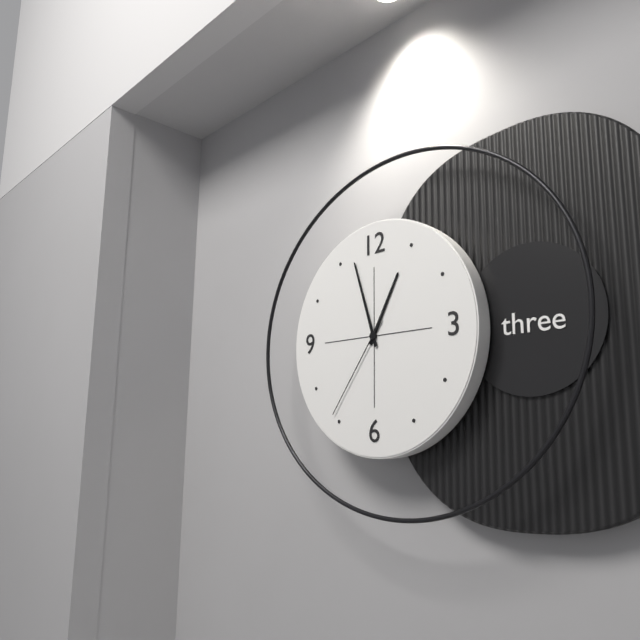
12:57:36
